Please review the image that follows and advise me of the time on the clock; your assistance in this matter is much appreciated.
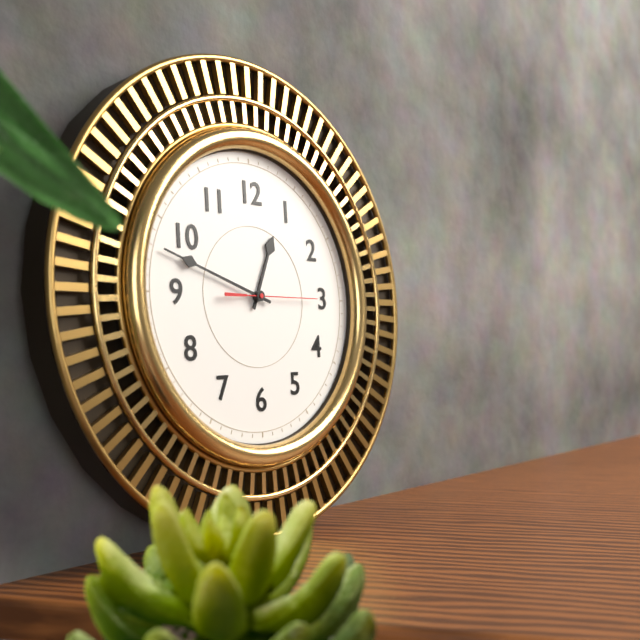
12:48:15
